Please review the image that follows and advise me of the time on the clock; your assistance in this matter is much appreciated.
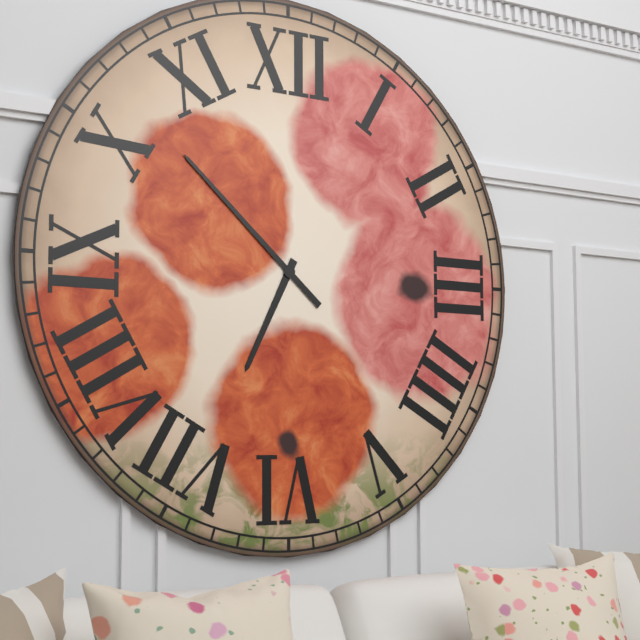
6:52
